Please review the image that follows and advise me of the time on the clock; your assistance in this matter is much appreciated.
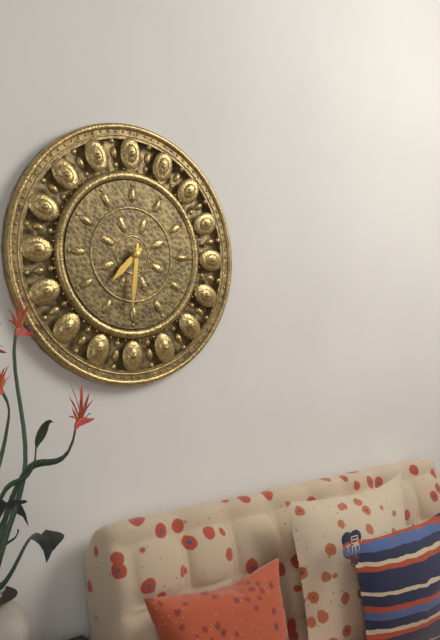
7:31
